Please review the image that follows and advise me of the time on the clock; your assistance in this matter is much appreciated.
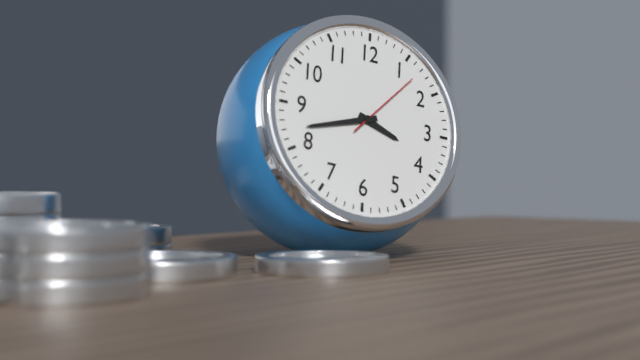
3:42:07
